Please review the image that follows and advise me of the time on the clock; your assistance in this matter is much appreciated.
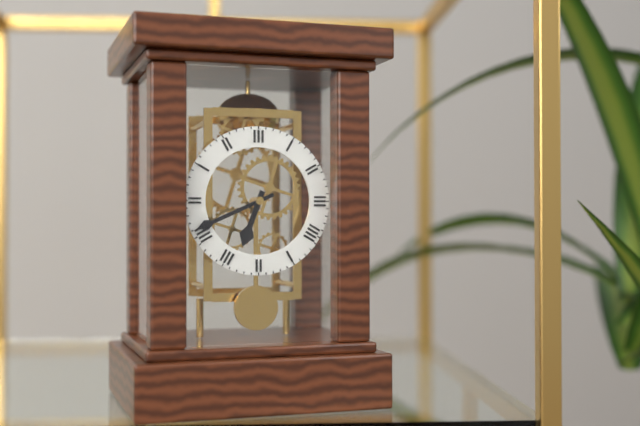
6:41
